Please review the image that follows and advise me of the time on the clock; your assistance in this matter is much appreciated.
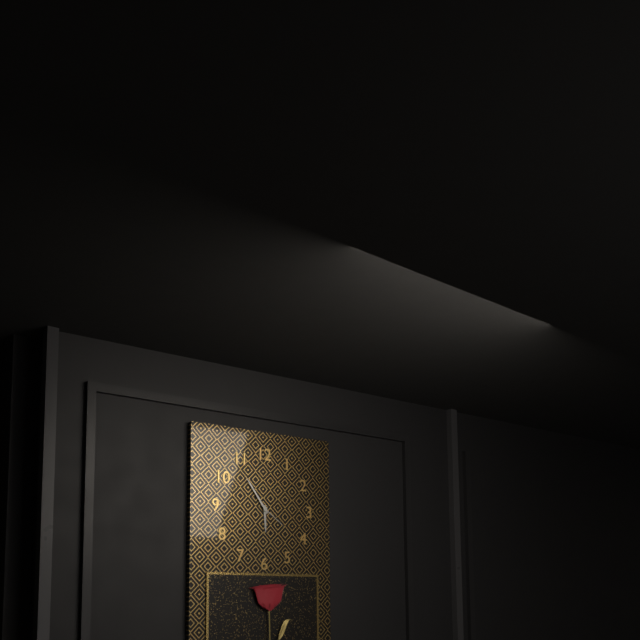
5:54
